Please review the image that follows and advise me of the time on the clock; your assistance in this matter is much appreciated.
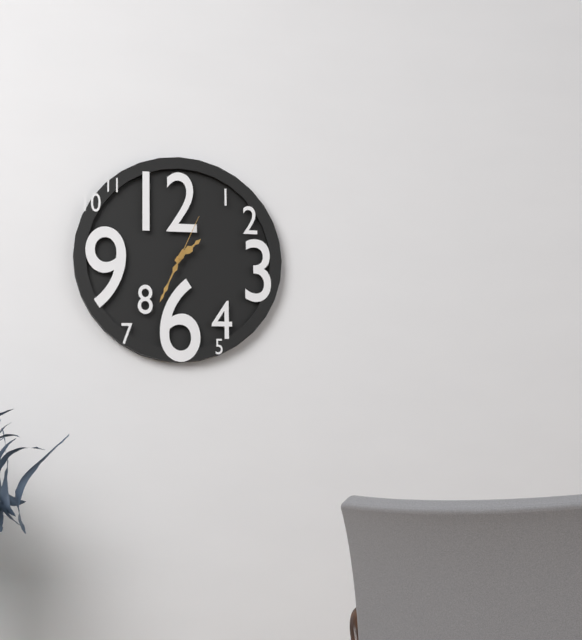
1:34:04
